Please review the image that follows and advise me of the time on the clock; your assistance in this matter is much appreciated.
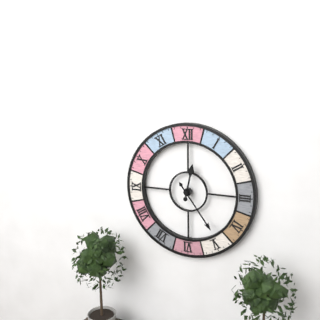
12:24
